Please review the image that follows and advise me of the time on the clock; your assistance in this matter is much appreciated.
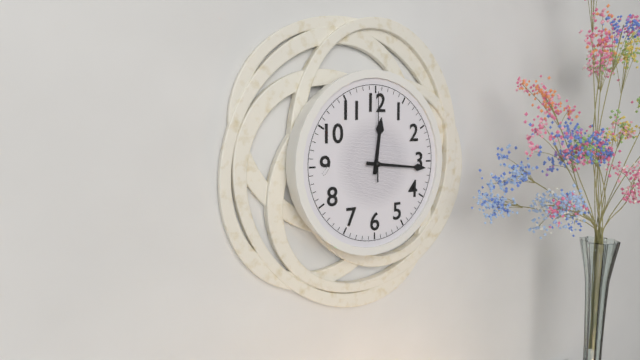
12:16:00
